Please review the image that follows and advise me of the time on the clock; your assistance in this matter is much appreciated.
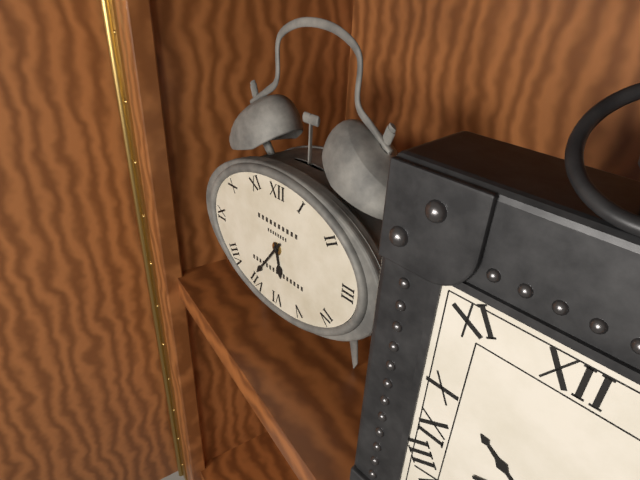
5:36
